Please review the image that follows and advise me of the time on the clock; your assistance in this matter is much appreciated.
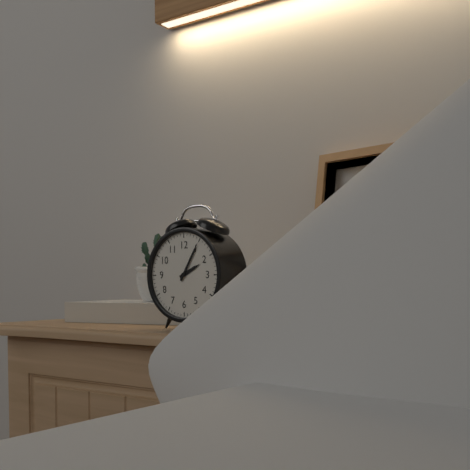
2:05
